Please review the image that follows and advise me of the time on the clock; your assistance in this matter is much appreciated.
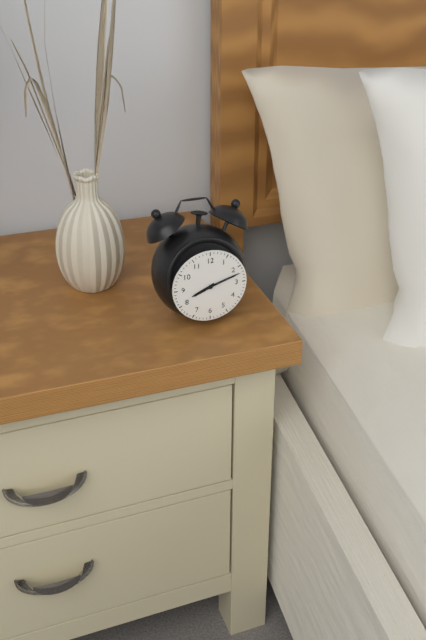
8:12
